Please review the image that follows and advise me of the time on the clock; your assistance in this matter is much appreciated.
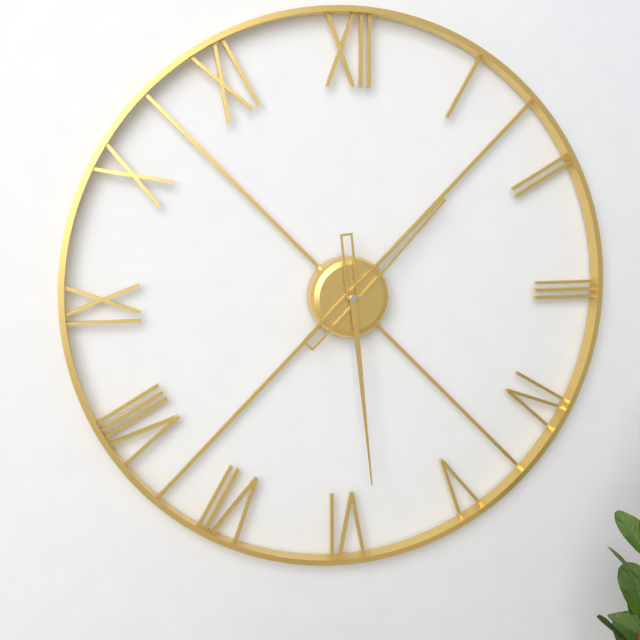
1:29
